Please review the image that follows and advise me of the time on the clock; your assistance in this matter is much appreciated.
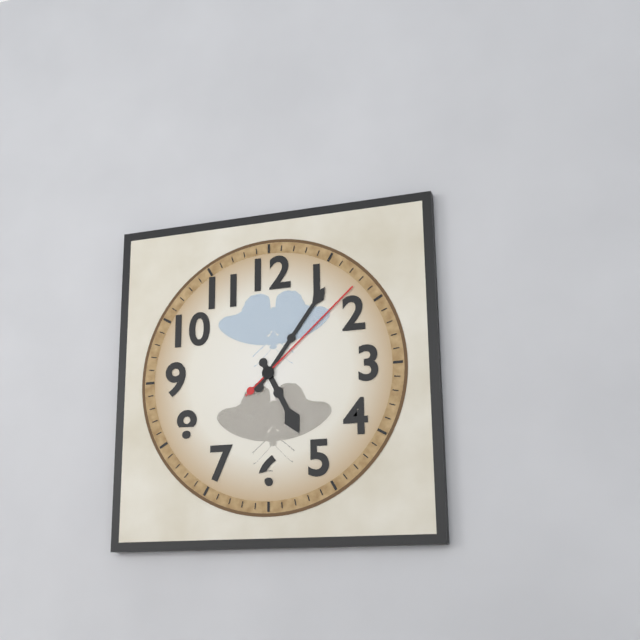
5:06:08
